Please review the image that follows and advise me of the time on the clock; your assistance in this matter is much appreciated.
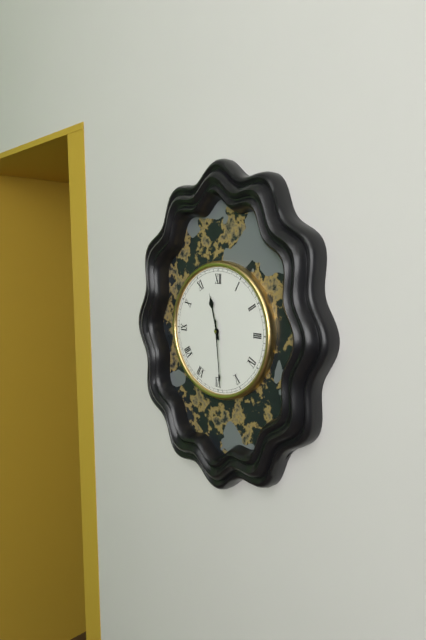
11:29
